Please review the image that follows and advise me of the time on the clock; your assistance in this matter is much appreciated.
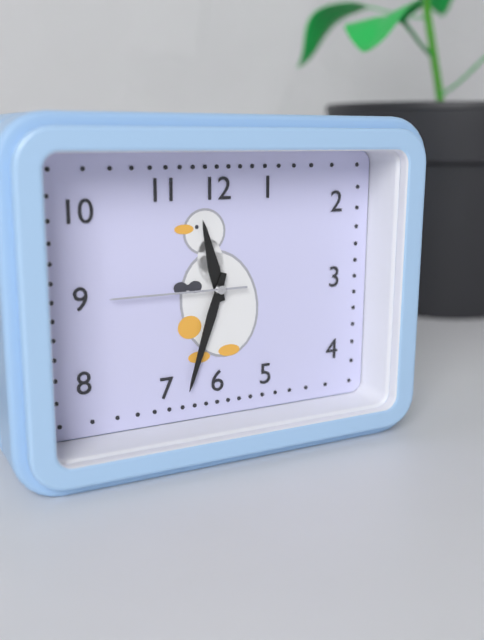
11:33:45
